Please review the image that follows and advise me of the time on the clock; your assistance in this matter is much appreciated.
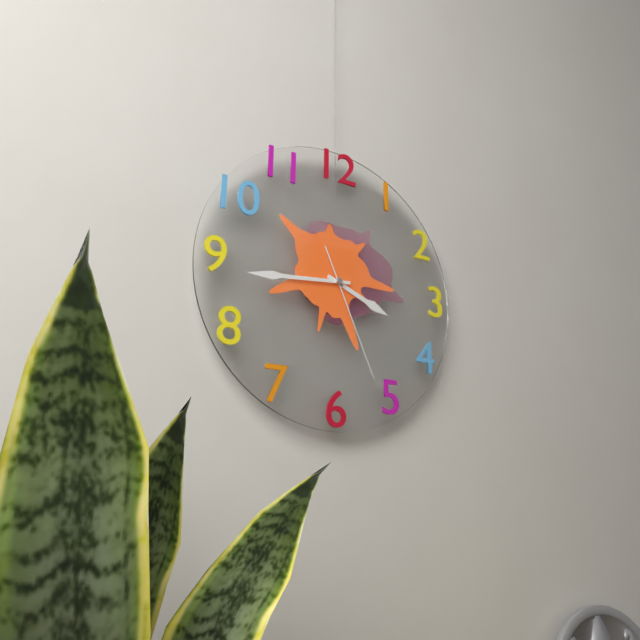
3:44:26
